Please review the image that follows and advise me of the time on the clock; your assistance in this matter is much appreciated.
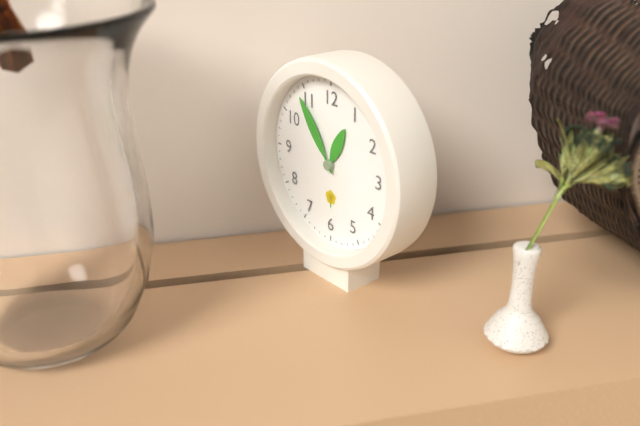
12:54
